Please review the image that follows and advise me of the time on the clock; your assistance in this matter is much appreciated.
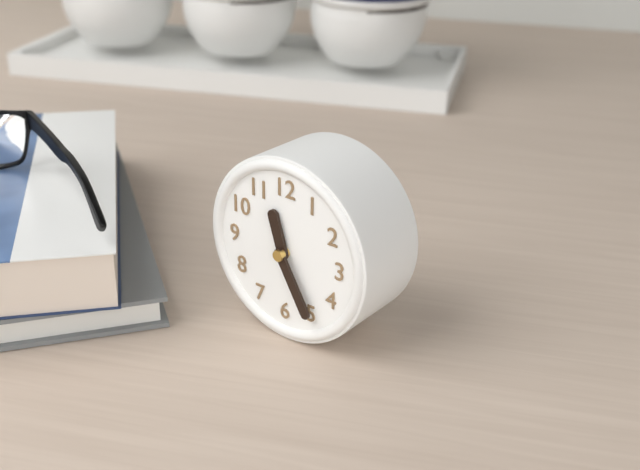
11:25
